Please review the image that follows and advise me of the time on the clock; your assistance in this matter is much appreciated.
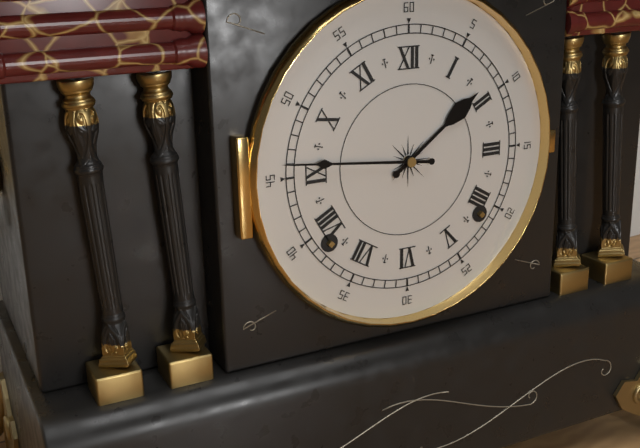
1:46
